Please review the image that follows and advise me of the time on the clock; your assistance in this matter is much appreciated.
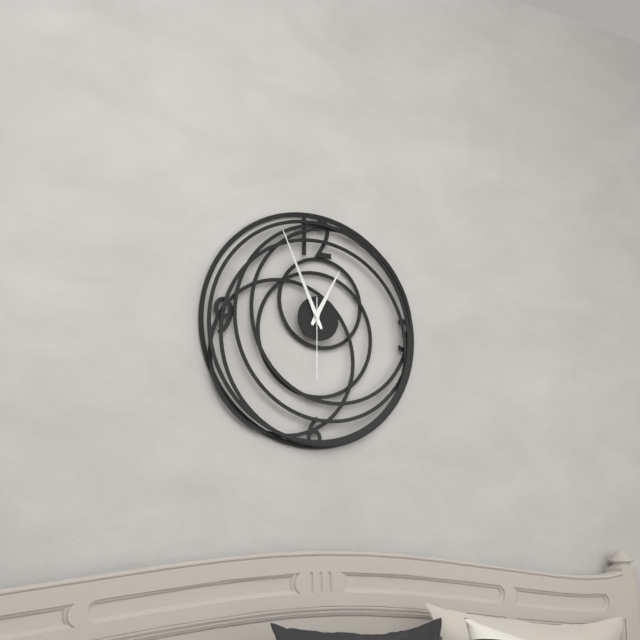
12:56:30
